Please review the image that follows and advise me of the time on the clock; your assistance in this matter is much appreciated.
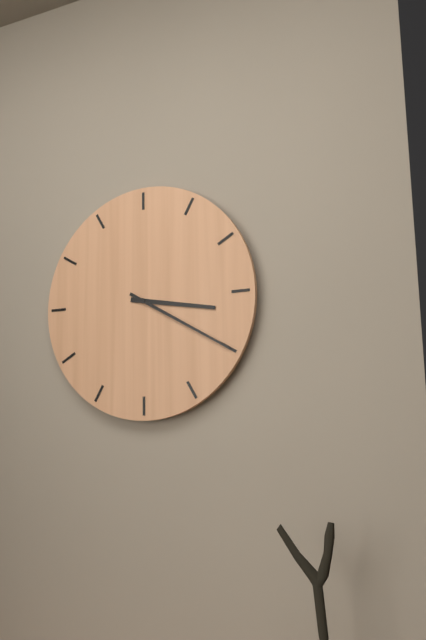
3:20
